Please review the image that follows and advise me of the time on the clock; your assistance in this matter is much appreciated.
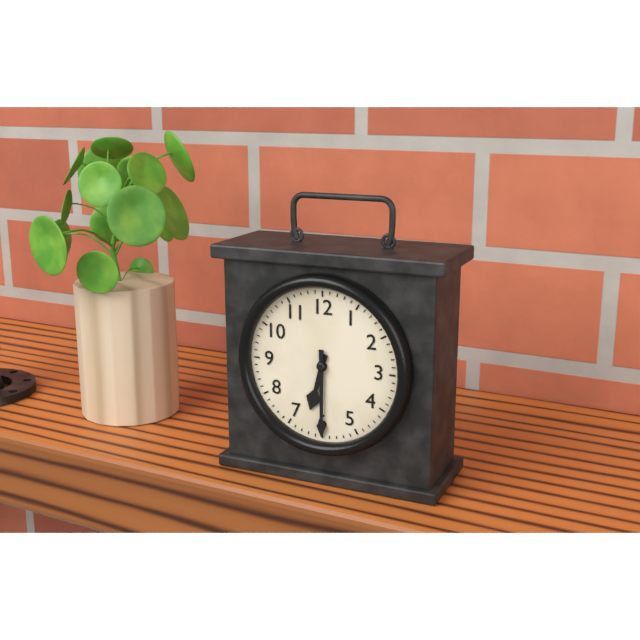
6:30
